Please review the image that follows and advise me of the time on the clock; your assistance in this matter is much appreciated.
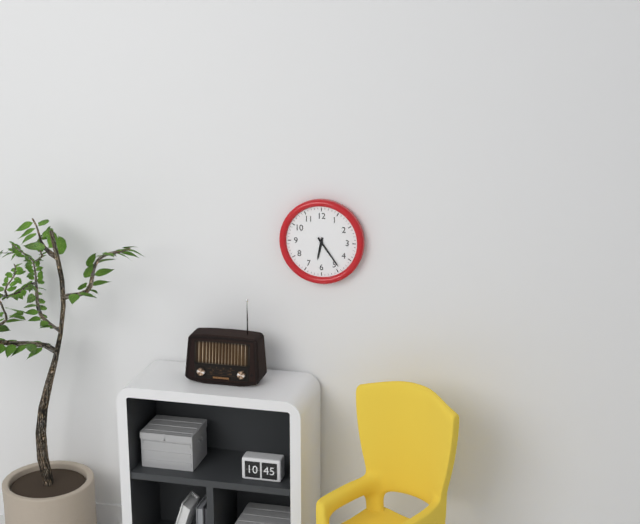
6:24
